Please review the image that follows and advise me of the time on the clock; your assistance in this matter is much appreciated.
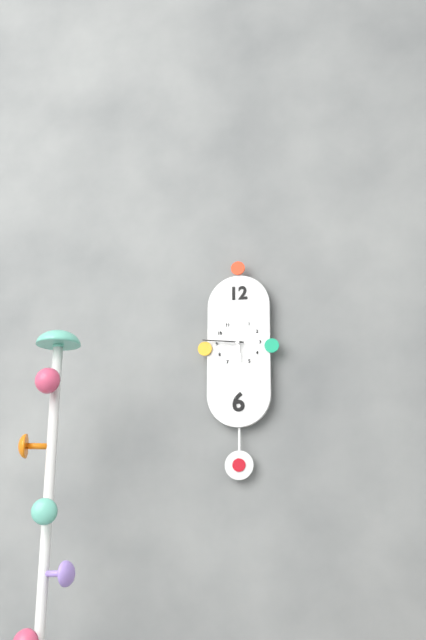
5:46
